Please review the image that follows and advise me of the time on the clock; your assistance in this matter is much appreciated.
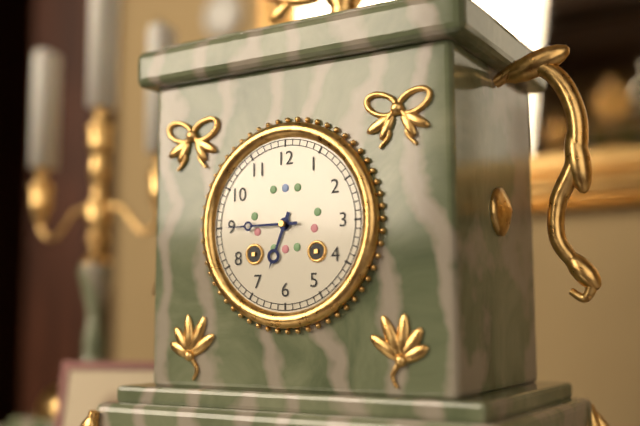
6:45
